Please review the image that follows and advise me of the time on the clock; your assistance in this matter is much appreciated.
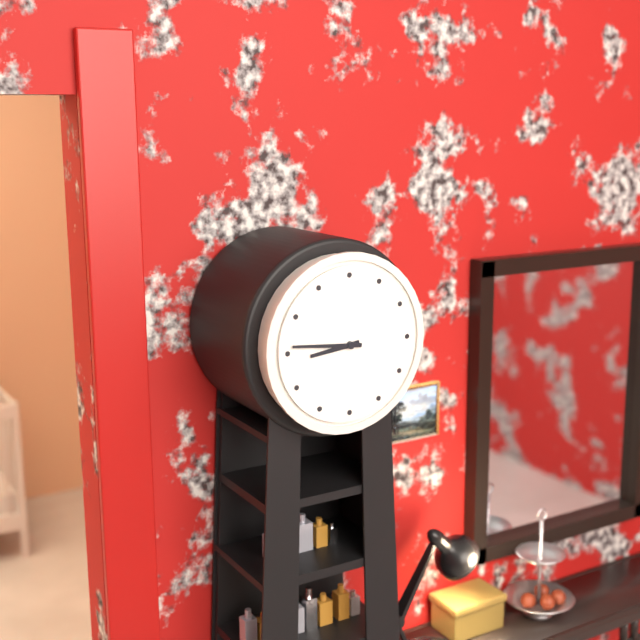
8:46
